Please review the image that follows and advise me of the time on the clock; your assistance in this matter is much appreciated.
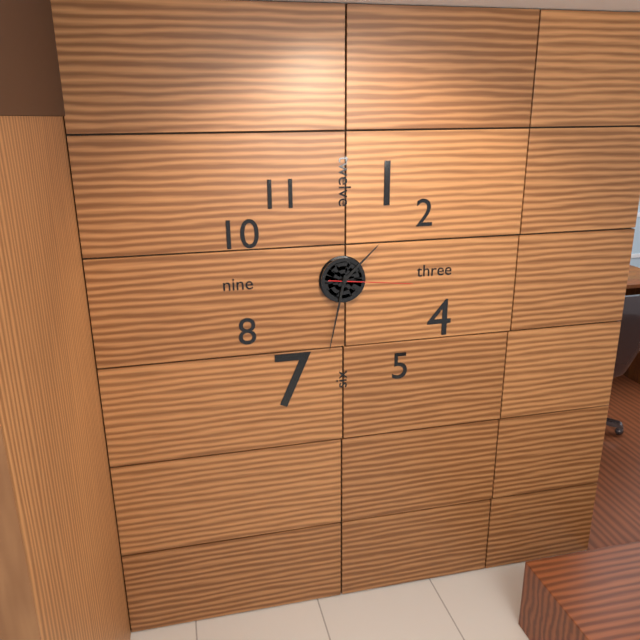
1:32:16
